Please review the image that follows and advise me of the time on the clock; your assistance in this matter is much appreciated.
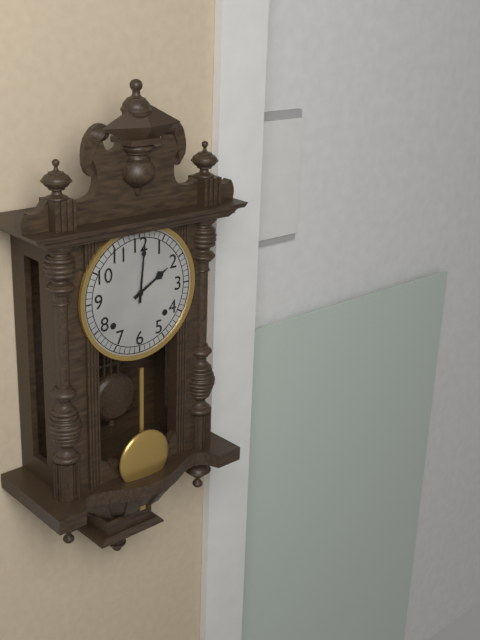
2:01
